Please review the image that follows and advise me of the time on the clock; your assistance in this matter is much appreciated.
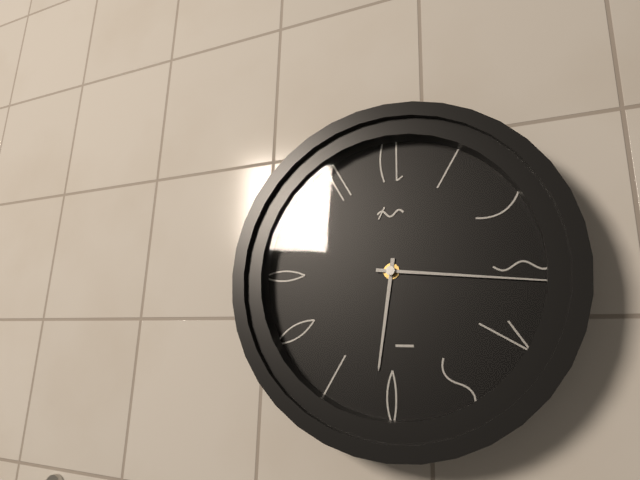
6:16
